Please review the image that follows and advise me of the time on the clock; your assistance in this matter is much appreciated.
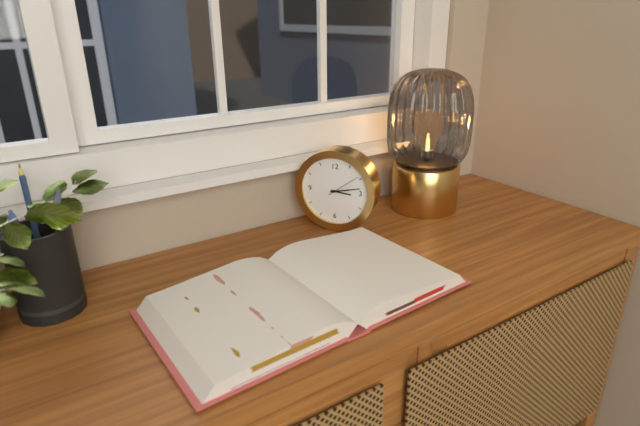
3:13
